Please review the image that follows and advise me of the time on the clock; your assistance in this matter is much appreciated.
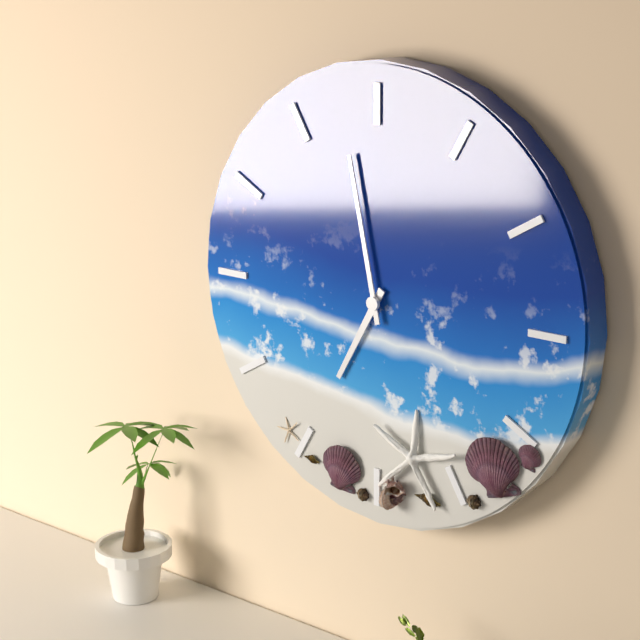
6:58
